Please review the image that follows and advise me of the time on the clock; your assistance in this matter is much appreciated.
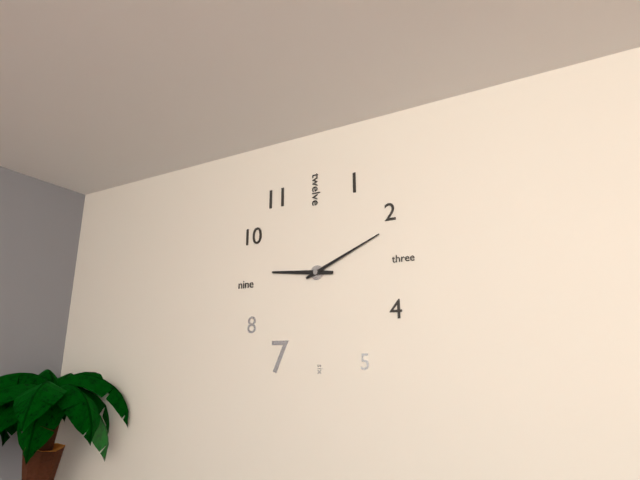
9:11
